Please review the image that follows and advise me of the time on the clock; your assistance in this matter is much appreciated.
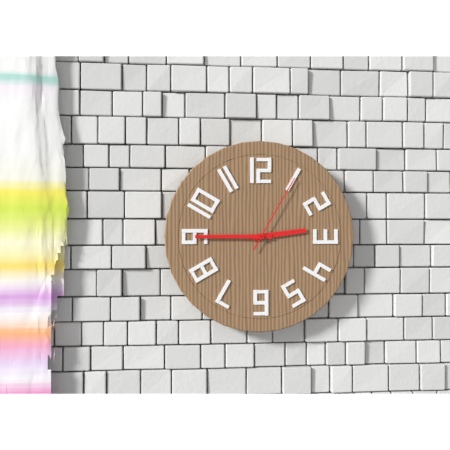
2:45:05
